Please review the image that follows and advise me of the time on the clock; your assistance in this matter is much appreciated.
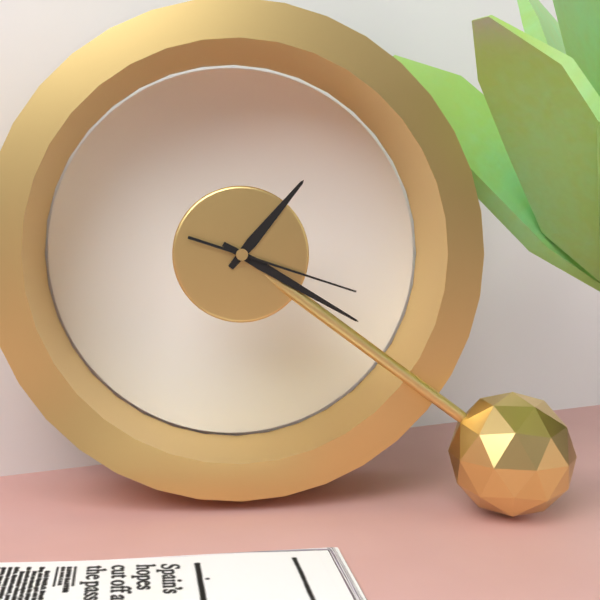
1:20:18
